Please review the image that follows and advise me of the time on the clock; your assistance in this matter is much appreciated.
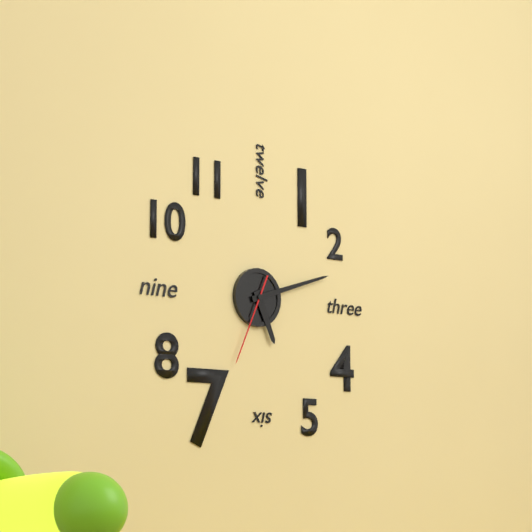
5:12:34
